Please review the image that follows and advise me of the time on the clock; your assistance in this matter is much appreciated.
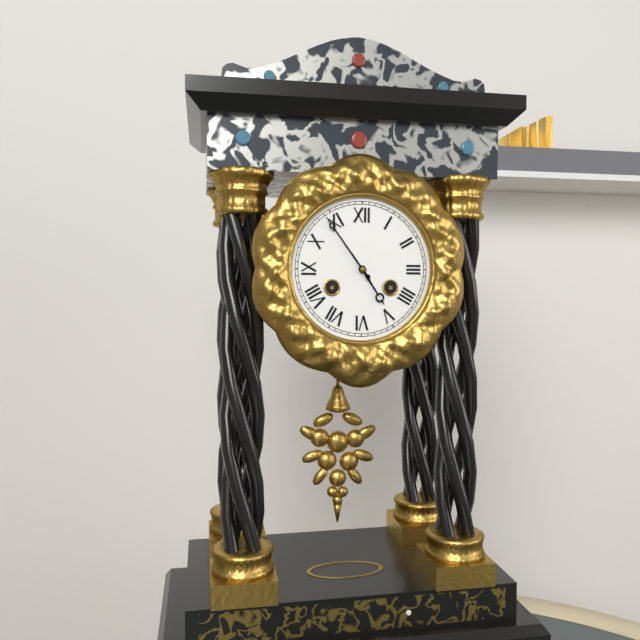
4:54
